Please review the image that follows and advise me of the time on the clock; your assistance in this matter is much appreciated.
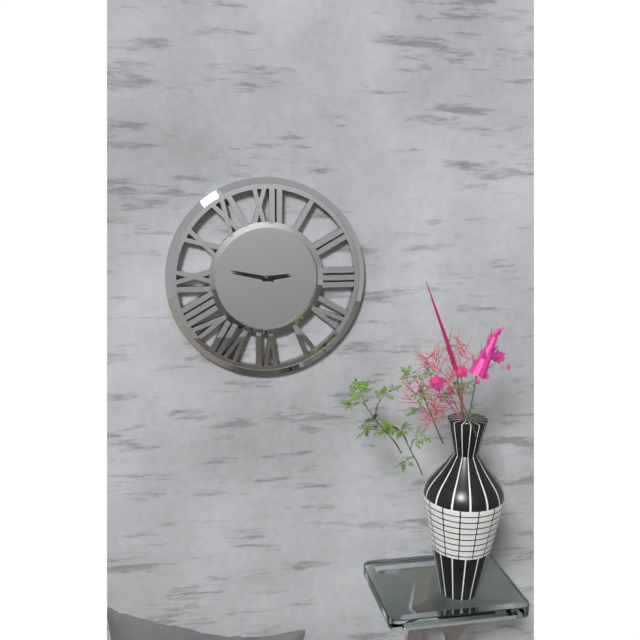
2:47
